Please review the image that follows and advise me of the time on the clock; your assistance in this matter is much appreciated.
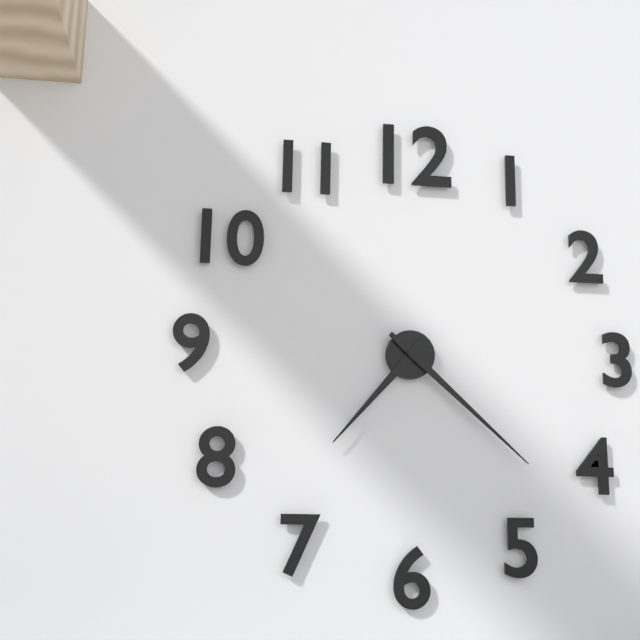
7:22
